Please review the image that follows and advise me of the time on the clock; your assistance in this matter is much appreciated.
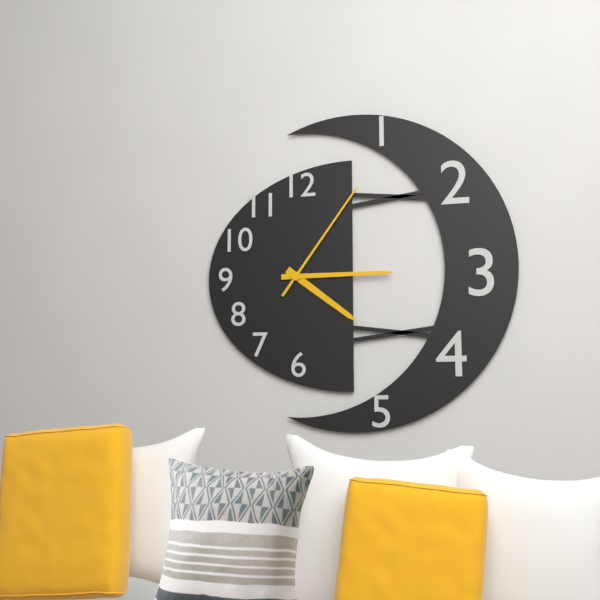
4:15:06
